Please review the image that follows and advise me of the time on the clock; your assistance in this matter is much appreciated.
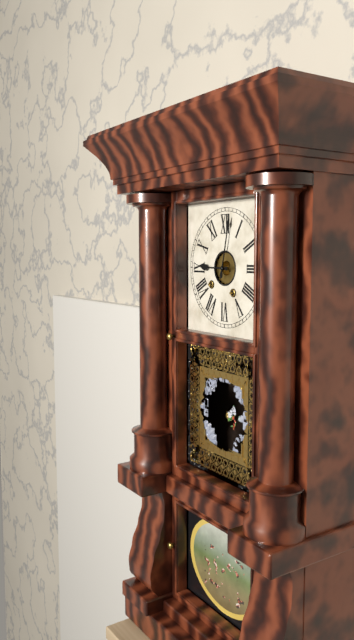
9:02
